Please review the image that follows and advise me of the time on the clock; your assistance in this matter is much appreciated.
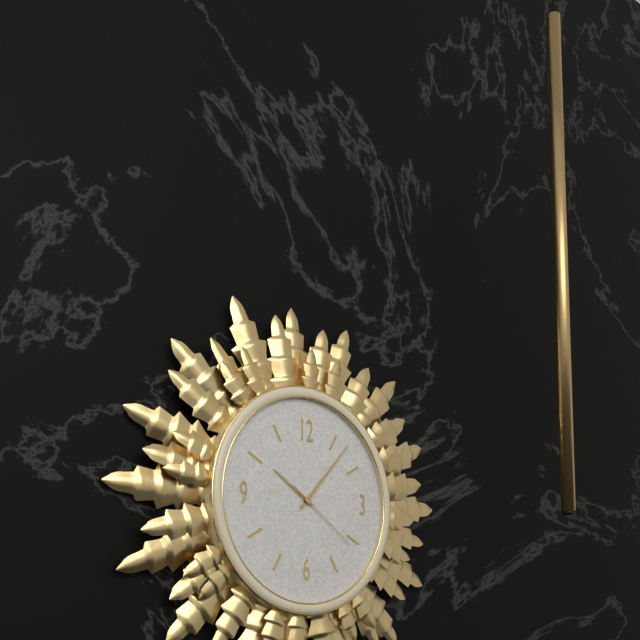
10:07:21
